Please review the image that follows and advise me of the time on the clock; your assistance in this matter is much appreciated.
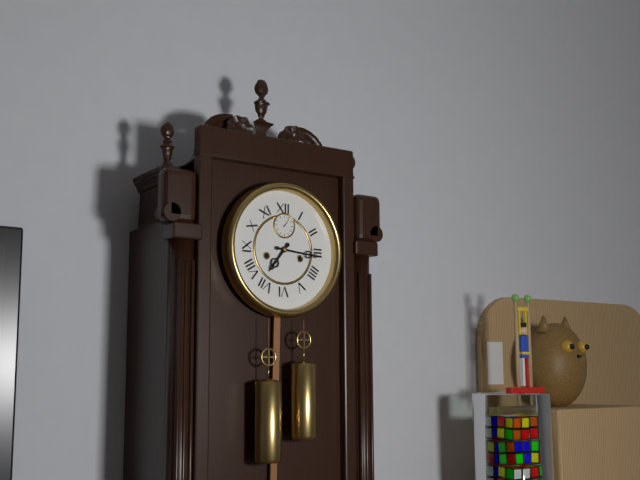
7:16
